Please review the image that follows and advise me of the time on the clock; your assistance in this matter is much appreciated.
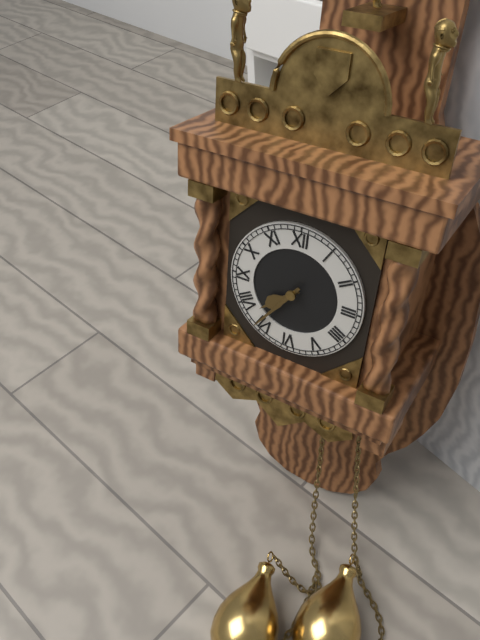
7:36
